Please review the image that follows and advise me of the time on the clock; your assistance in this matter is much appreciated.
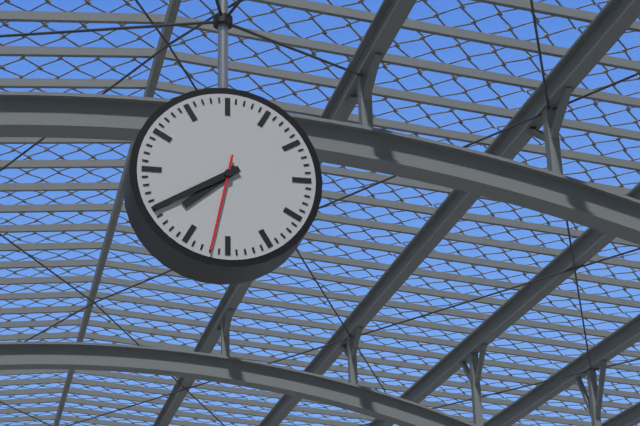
7:40:32
